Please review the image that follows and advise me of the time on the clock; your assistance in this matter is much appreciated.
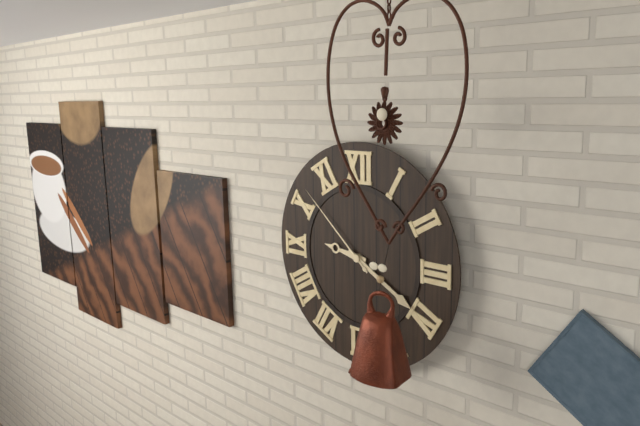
9:20:52
